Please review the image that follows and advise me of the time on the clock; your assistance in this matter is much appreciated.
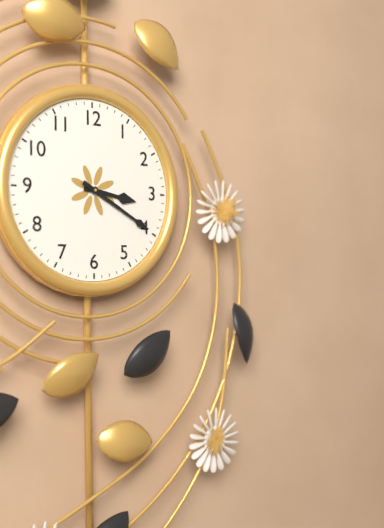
3:20
